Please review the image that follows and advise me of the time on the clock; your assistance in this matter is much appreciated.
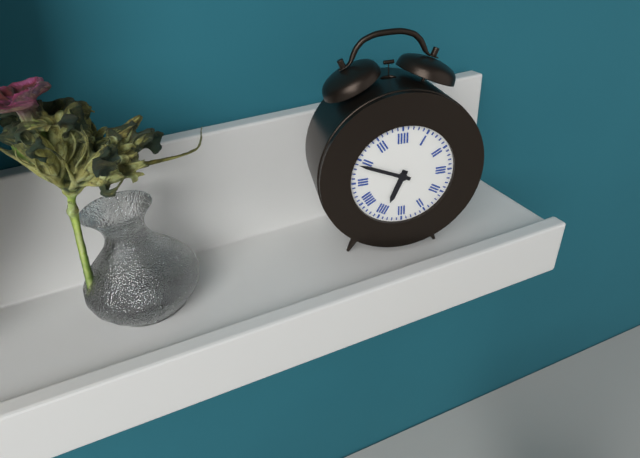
6:49
